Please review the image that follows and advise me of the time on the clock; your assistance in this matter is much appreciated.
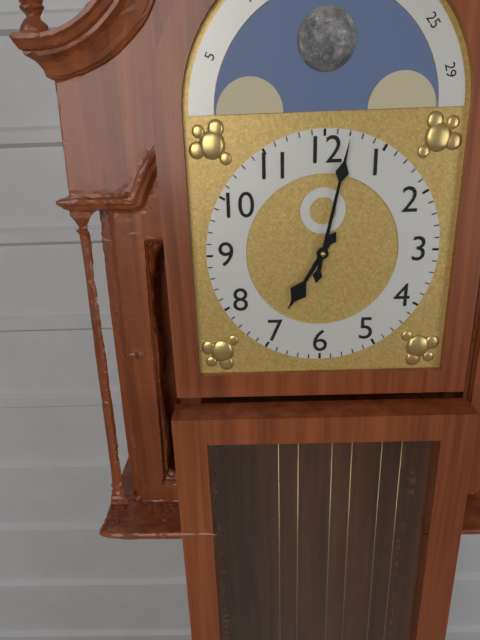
7:02
